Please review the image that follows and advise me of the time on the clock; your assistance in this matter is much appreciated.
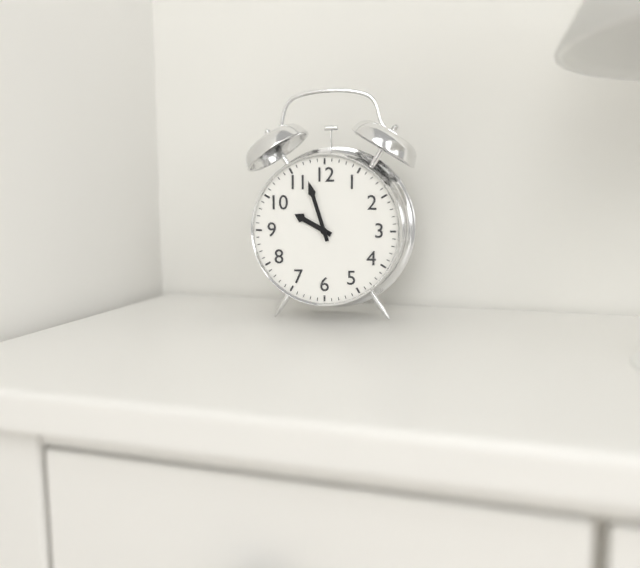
9:57
